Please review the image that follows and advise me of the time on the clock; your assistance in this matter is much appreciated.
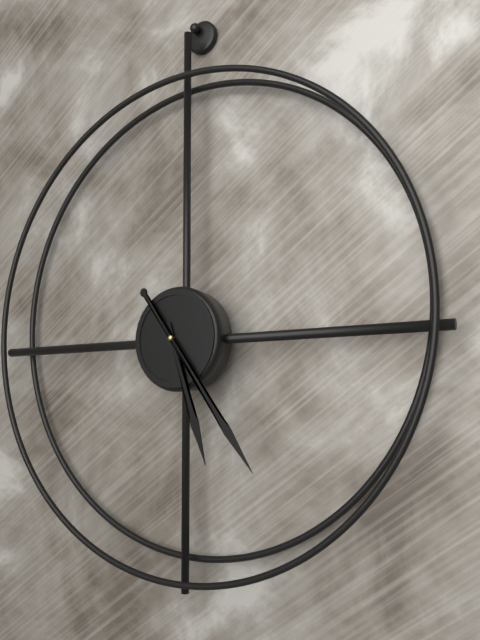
5:24
